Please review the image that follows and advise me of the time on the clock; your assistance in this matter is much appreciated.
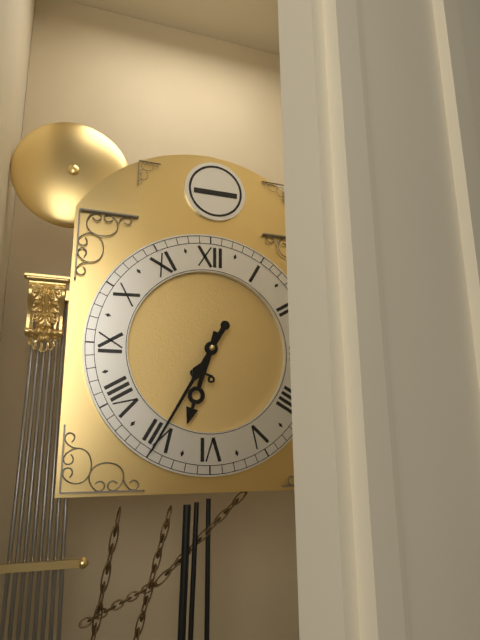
6:35
